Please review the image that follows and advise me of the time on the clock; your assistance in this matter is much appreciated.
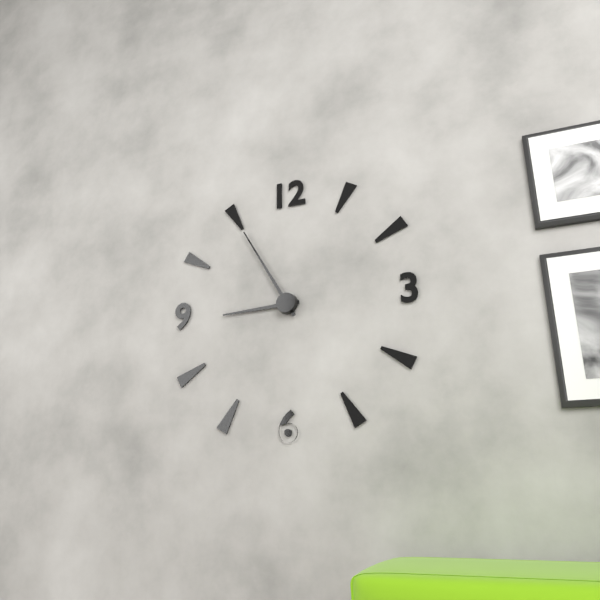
8:55
